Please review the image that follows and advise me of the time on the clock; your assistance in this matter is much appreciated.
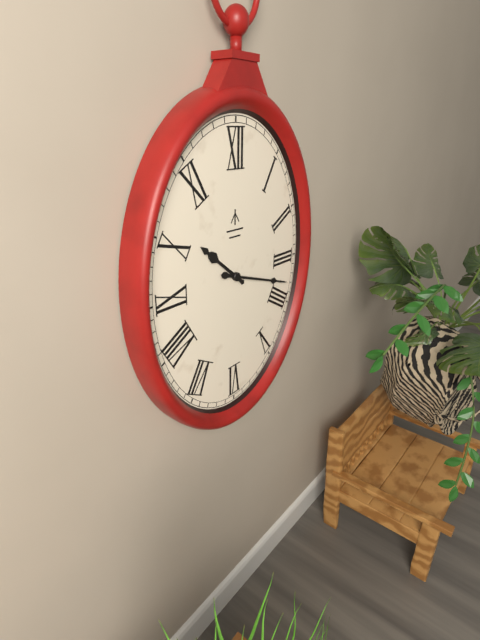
10:18
